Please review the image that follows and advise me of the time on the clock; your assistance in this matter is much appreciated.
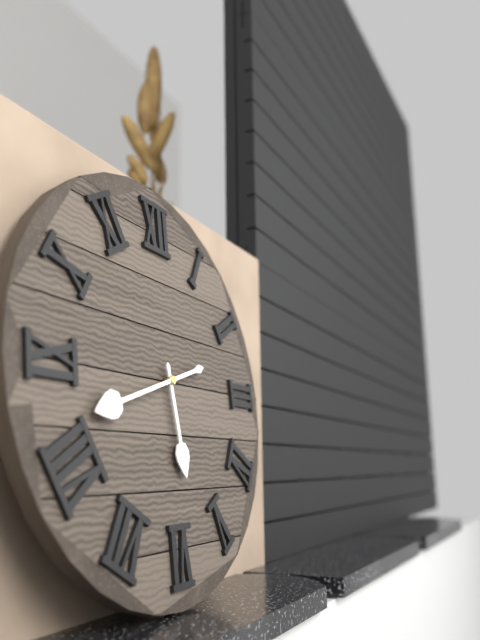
5:42
